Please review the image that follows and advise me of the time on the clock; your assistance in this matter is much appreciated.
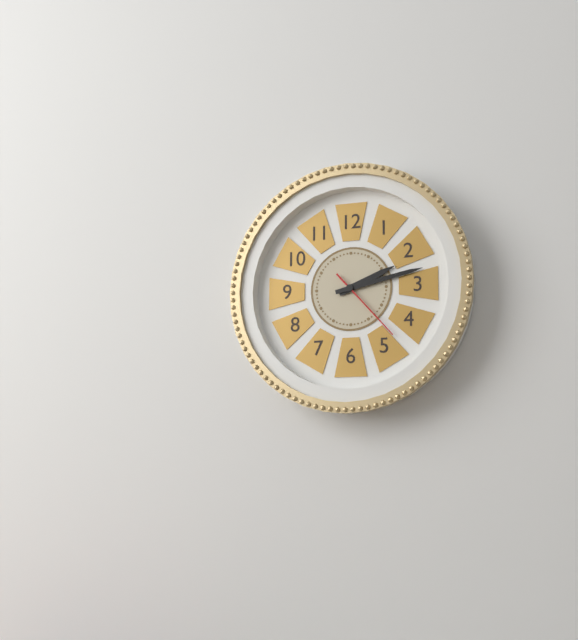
2:13:23
